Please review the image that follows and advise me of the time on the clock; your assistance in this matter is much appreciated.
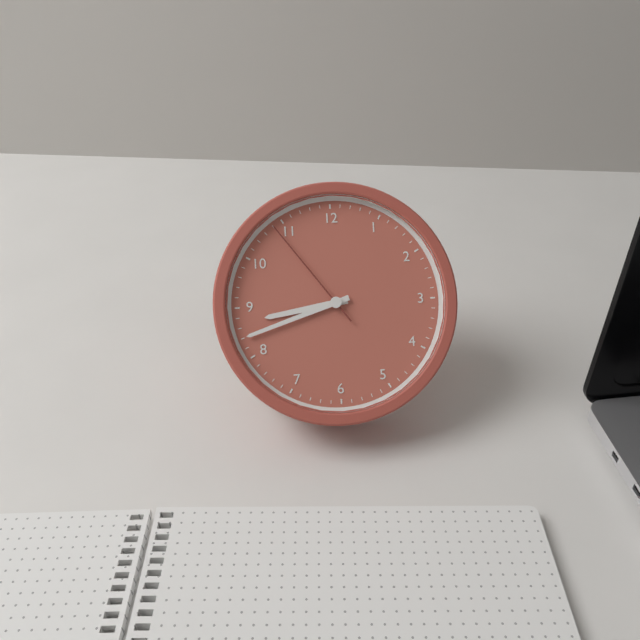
8:42:54
